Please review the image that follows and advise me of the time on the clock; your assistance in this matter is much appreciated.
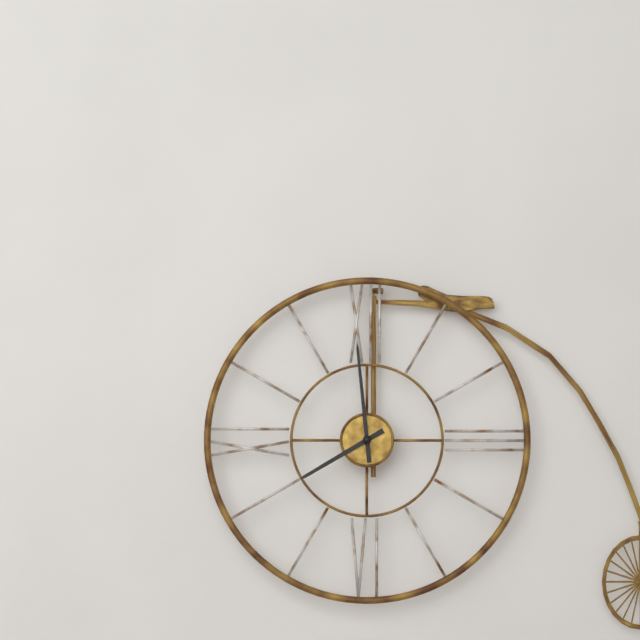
7:59
